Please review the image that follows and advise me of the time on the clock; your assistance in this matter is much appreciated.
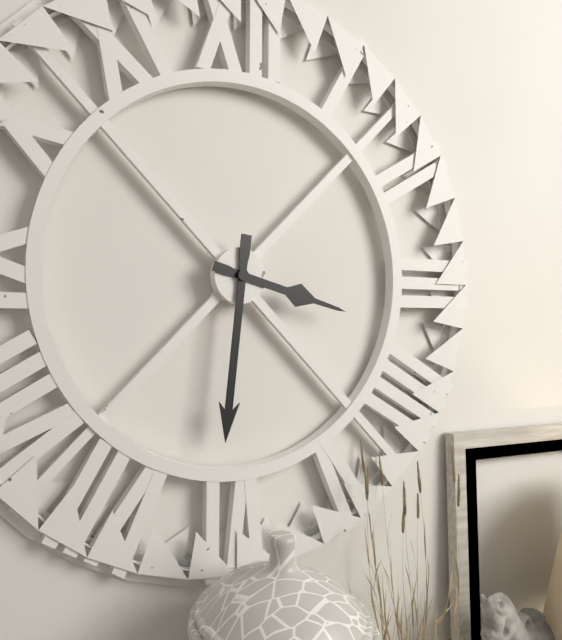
3:31
